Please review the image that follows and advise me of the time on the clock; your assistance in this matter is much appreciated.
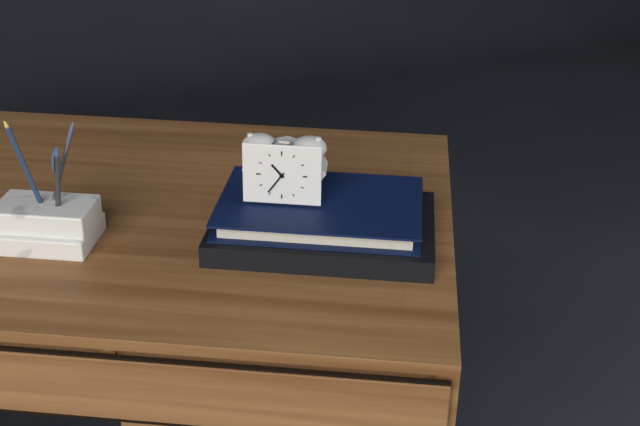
10:36
